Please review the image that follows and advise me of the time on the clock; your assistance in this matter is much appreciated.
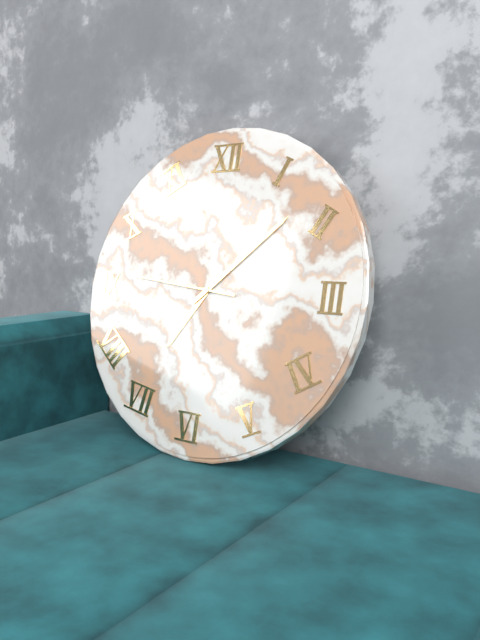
7:08:46
